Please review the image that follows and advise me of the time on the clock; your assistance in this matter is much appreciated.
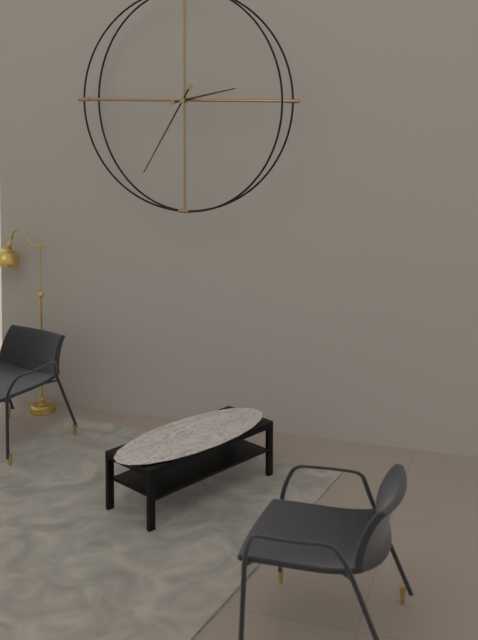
2:35
